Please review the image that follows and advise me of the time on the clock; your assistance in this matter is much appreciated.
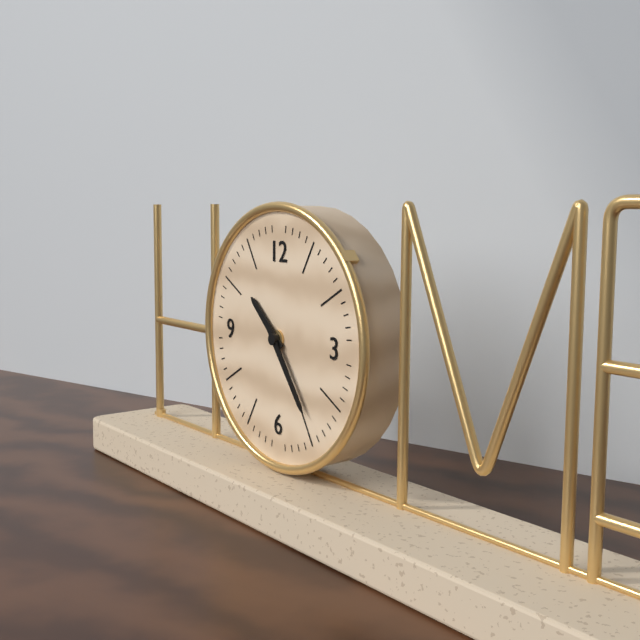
10:24
